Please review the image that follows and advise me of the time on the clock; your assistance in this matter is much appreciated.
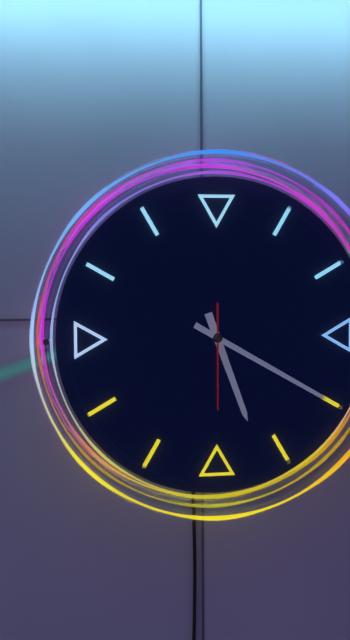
5:20:30
